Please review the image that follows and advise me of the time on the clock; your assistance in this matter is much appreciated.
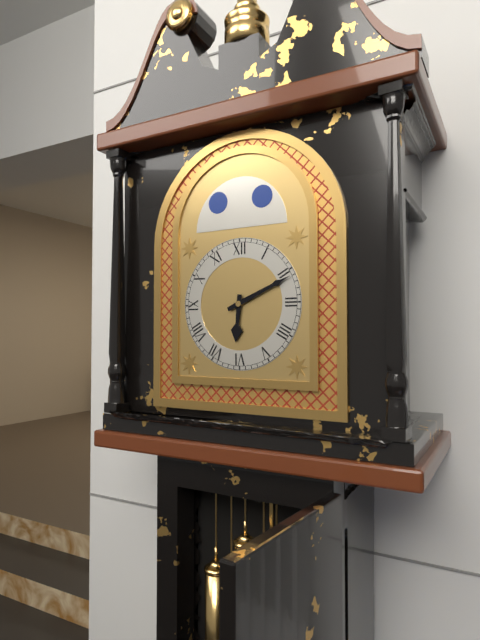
6:11
